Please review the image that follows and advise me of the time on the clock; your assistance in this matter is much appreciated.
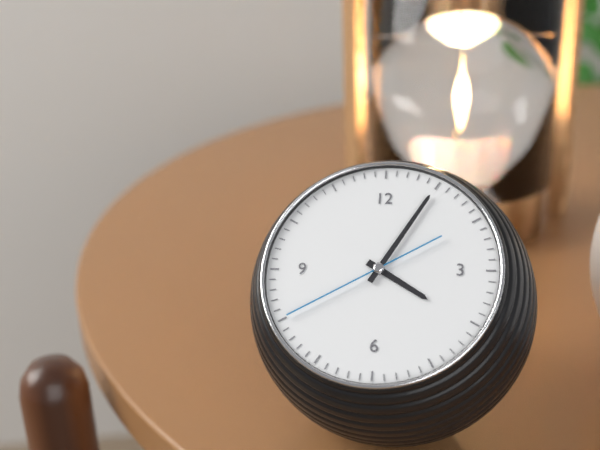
4:05:40
